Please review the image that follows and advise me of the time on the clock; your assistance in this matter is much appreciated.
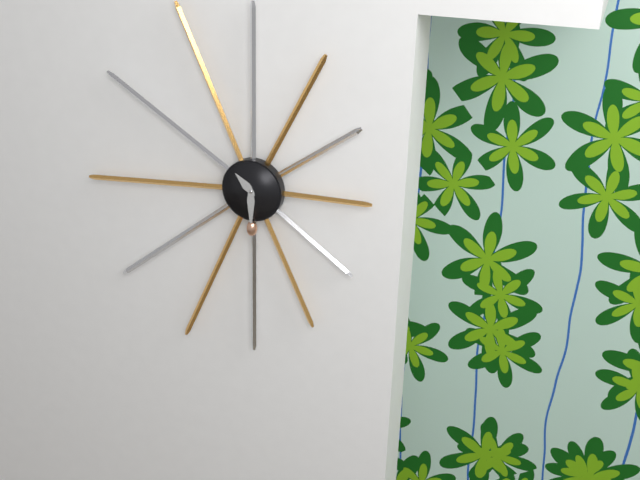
10:30
